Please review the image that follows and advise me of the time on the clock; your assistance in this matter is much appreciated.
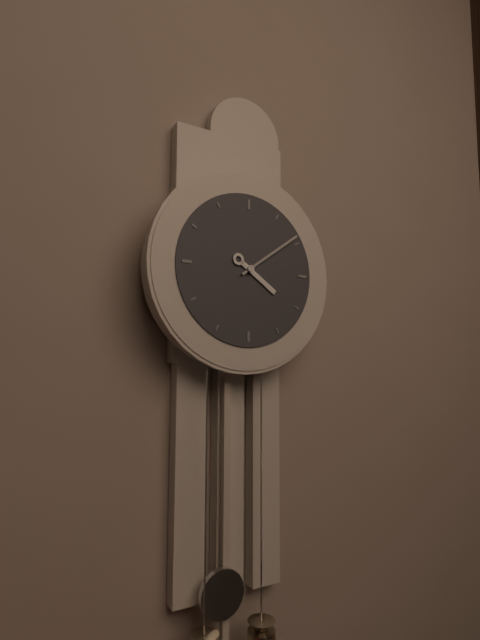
4:09
